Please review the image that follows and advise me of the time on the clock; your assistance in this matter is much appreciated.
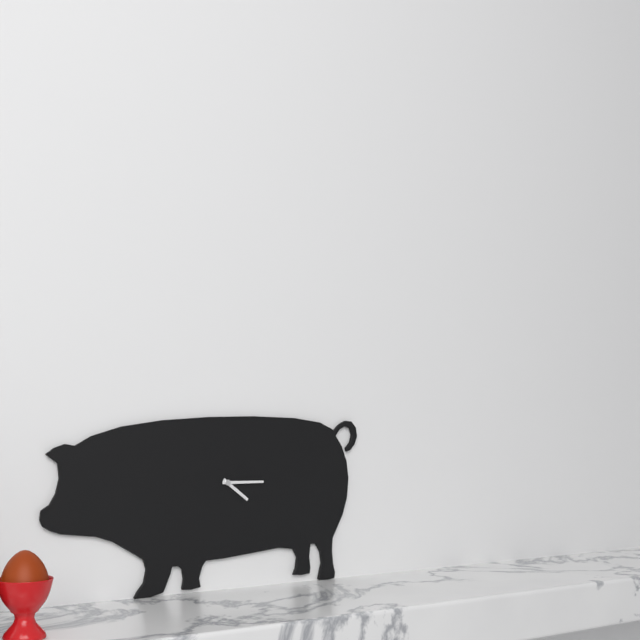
4:15
